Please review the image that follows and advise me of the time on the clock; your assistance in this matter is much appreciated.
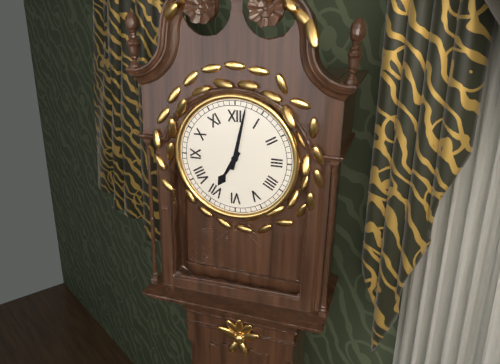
7:02
